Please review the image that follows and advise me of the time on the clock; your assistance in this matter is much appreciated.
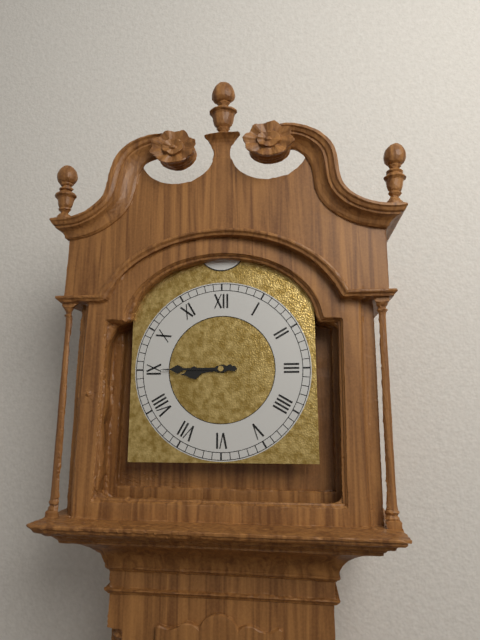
8:45
